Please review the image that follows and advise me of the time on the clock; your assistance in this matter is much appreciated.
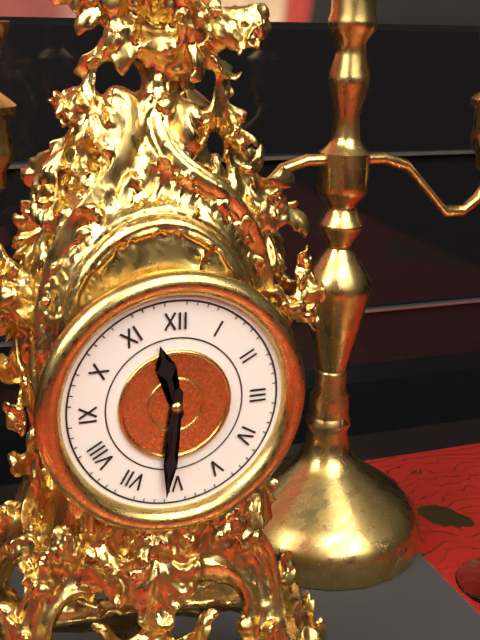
11:31
